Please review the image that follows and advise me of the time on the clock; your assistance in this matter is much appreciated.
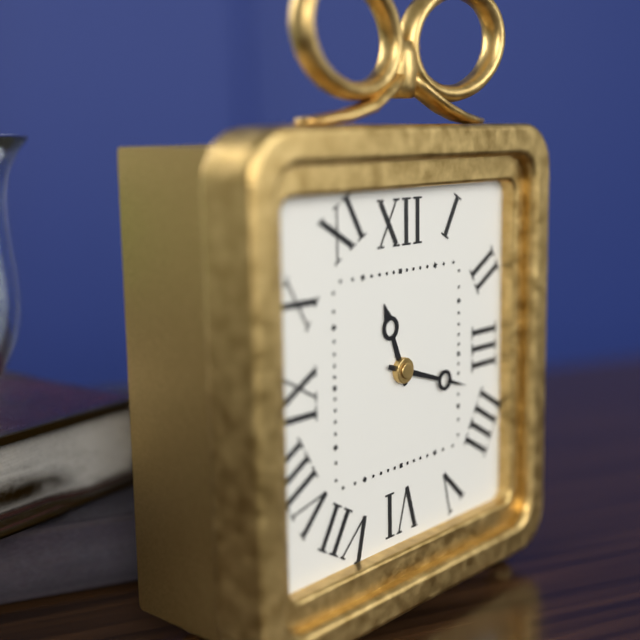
11:18
